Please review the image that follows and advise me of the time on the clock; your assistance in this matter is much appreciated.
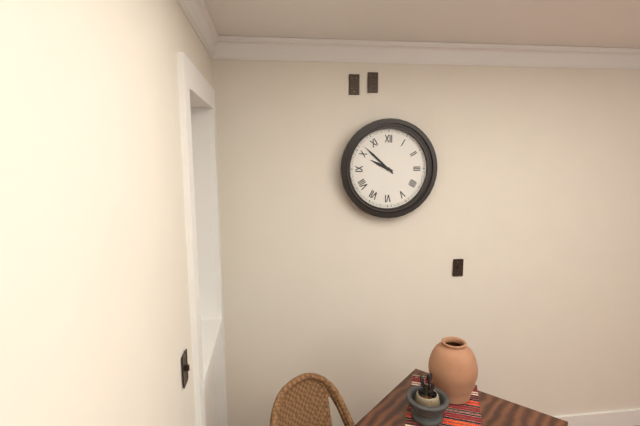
9:52
